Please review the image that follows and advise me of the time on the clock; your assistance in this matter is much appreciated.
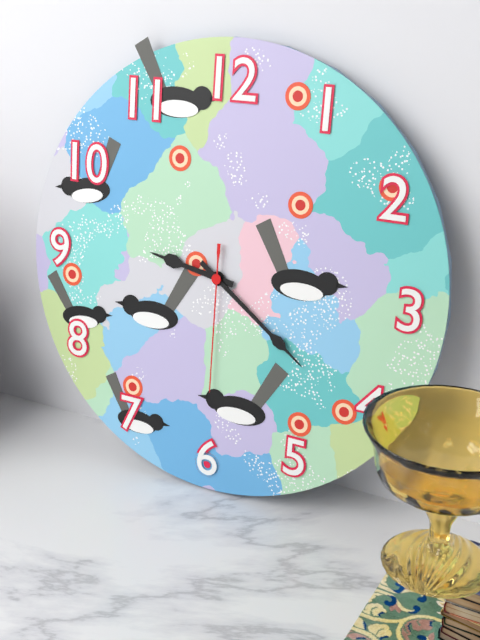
9:21:30
